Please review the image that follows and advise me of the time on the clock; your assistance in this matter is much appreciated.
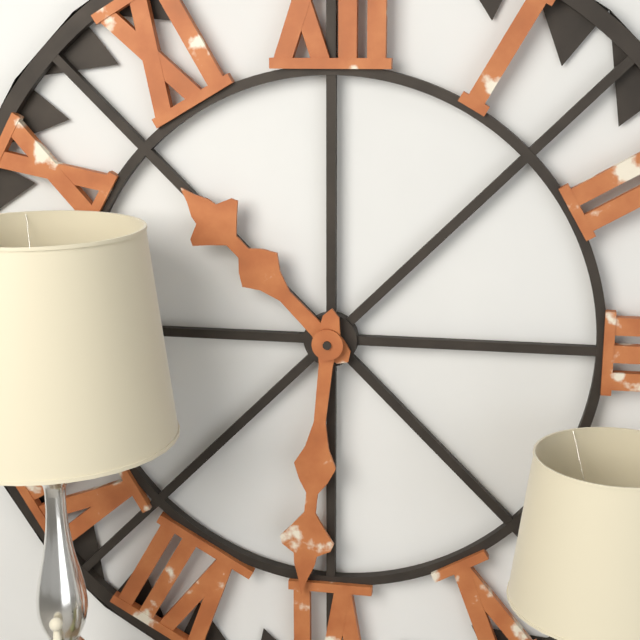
10:31
